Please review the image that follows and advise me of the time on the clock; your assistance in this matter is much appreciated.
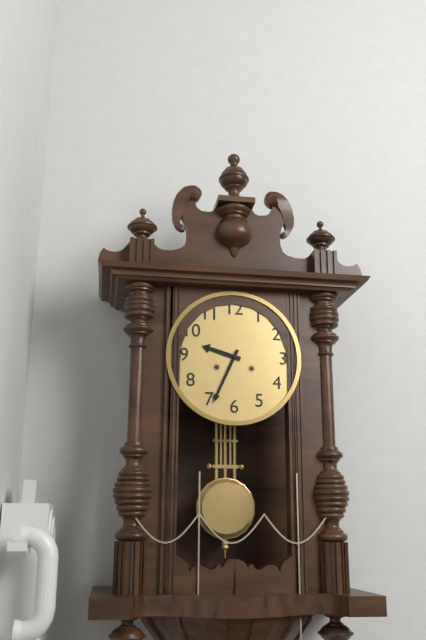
9:34
